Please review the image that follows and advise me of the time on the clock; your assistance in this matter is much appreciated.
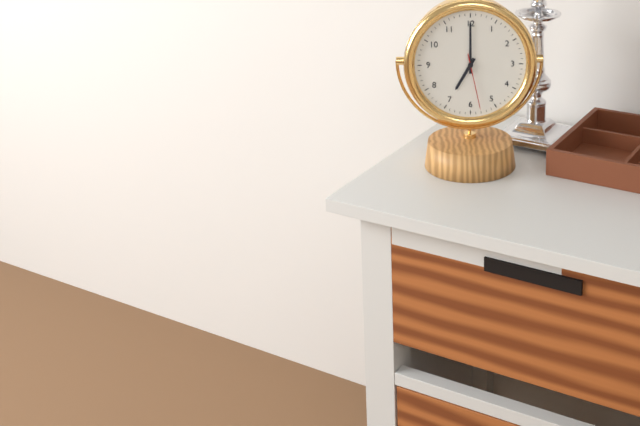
7:00:28
